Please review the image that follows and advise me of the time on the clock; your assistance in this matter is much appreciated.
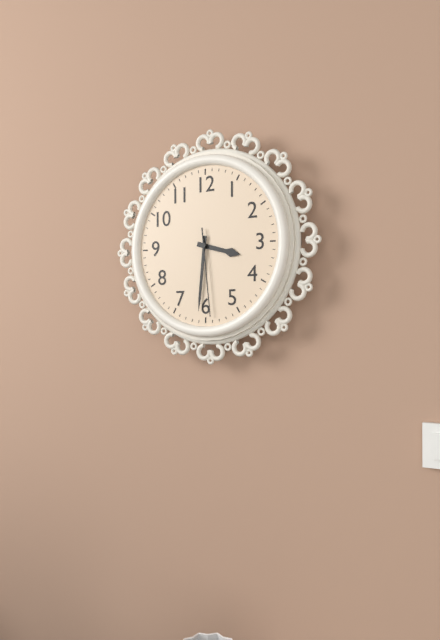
3:31:29
